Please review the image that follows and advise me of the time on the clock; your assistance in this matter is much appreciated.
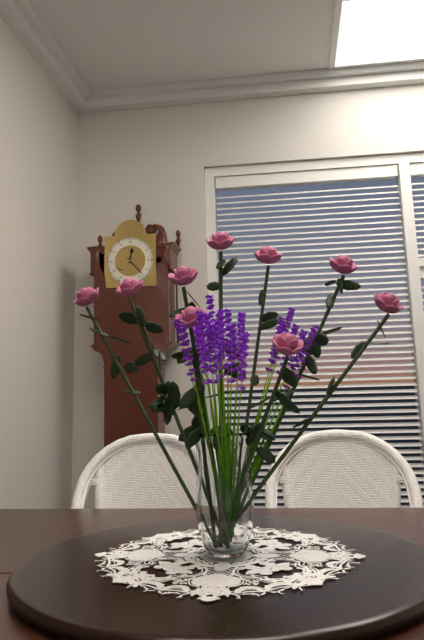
12:23
